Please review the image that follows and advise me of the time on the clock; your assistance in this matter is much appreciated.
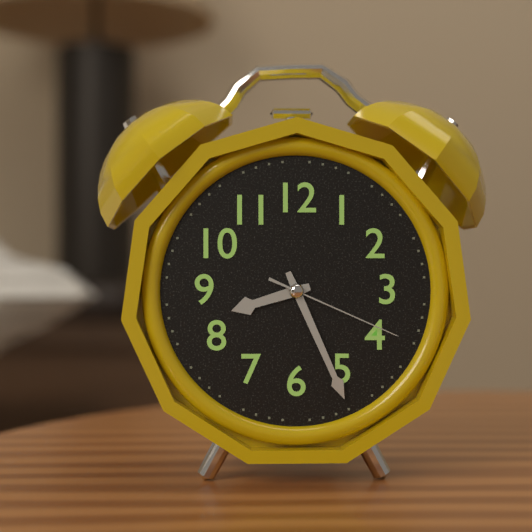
8:26:19
